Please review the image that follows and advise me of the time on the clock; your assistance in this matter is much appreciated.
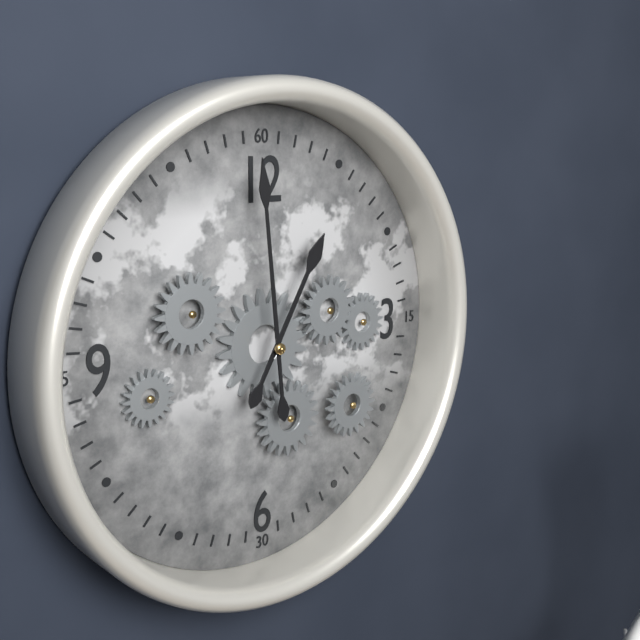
12:59
